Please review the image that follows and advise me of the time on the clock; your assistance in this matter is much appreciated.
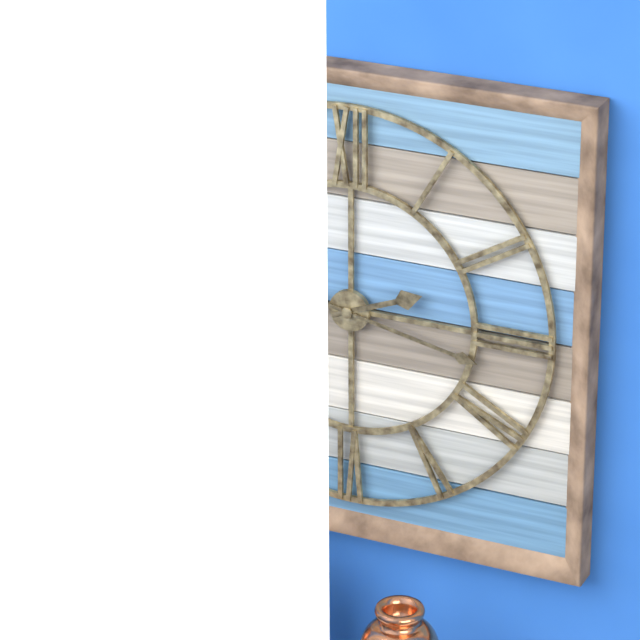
2:17
